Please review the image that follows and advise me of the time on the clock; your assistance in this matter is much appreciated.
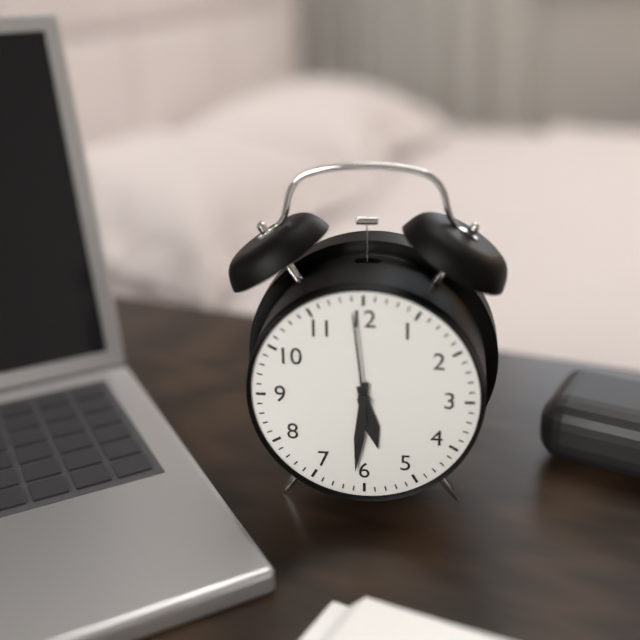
5:31:59
